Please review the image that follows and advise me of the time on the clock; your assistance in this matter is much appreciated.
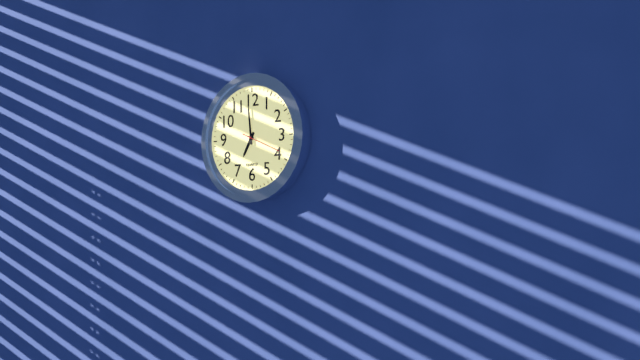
6:59
